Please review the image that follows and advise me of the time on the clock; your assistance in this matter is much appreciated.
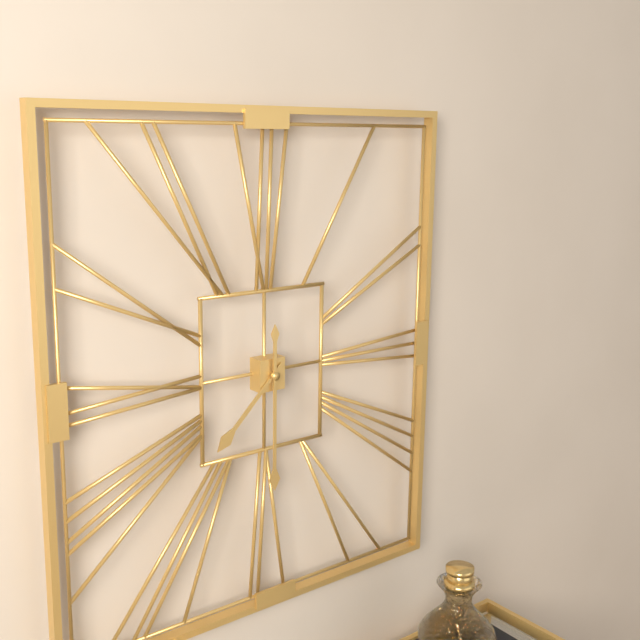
7:30
